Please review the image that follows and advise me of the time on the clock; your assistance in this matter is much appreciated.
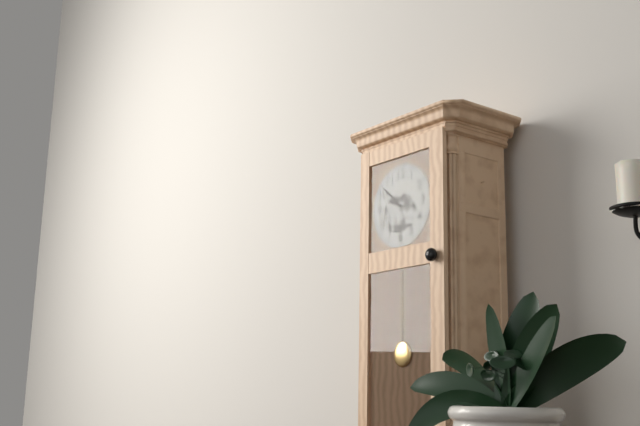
9:52
